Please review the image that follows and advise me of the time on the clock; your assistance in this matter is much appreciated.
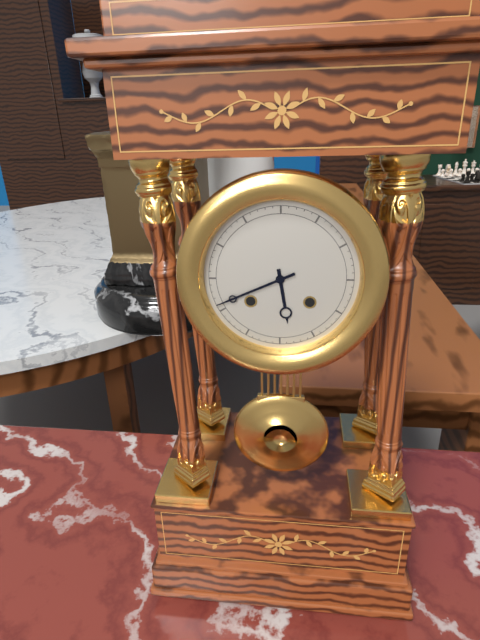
5:41
